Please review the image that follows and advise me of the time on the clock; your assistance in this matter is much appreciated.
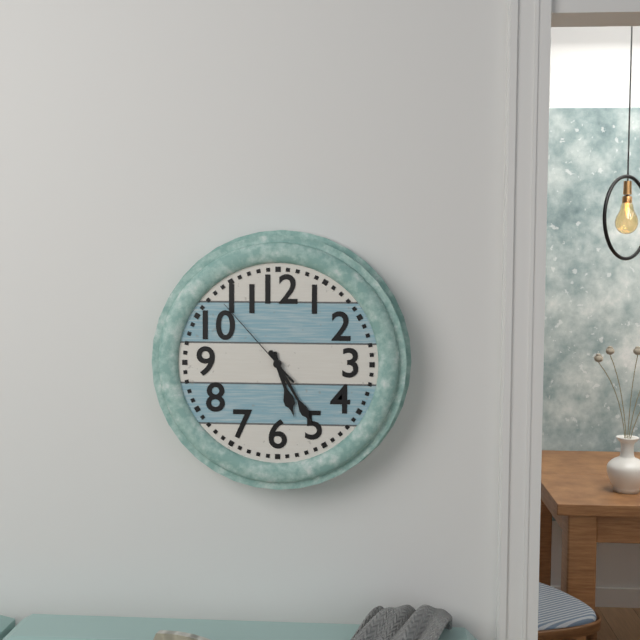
5:25:53
